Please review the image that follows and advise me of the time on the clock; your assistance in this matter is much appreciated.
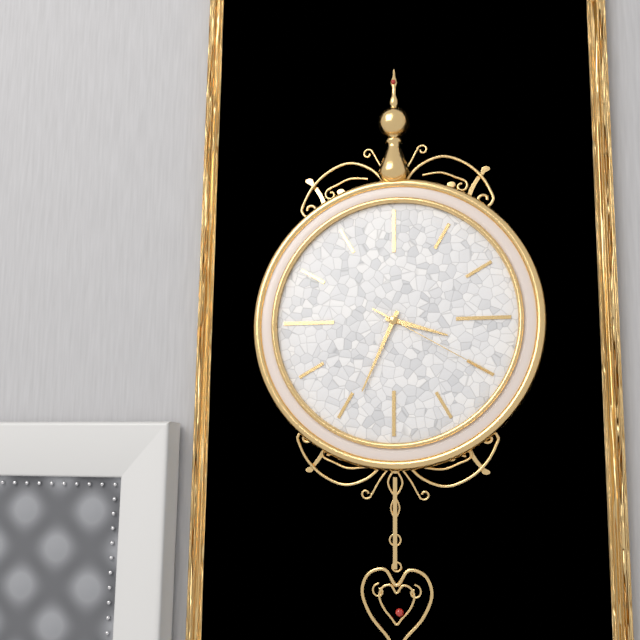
3:34:20
